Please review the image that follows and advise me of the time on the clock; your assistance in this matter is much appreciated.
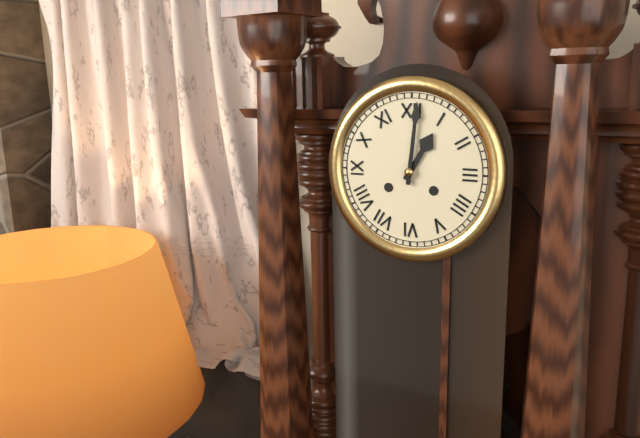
1:01
